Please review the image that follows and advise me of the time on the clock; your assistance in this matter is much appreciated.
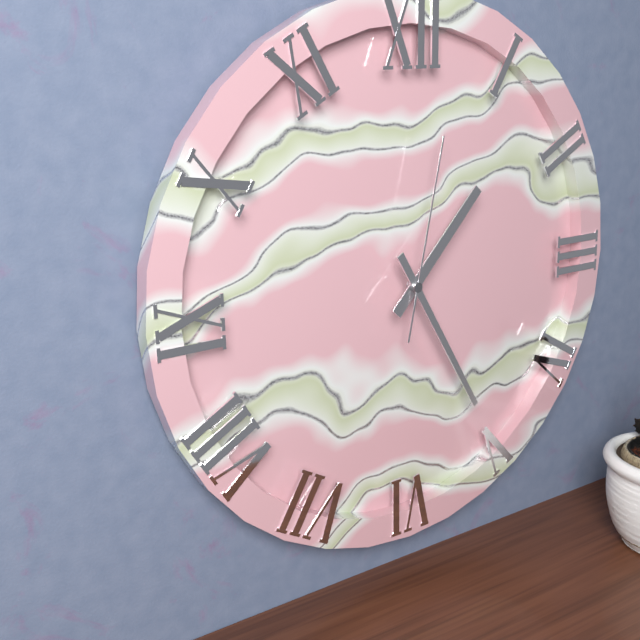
1:25:02
